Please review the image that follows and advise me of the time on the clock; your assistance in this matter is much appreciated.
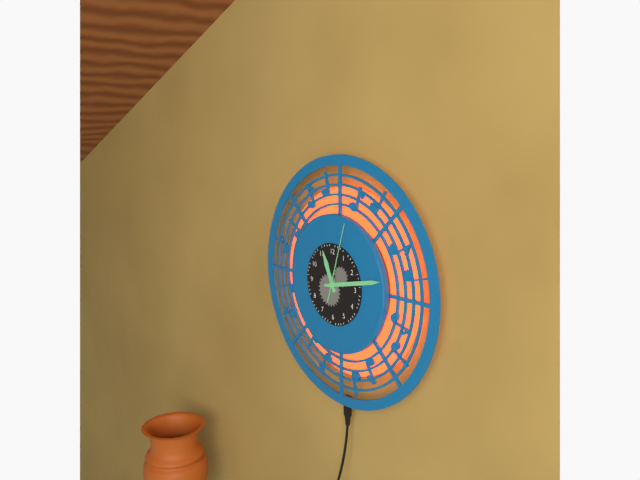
11:13:03
